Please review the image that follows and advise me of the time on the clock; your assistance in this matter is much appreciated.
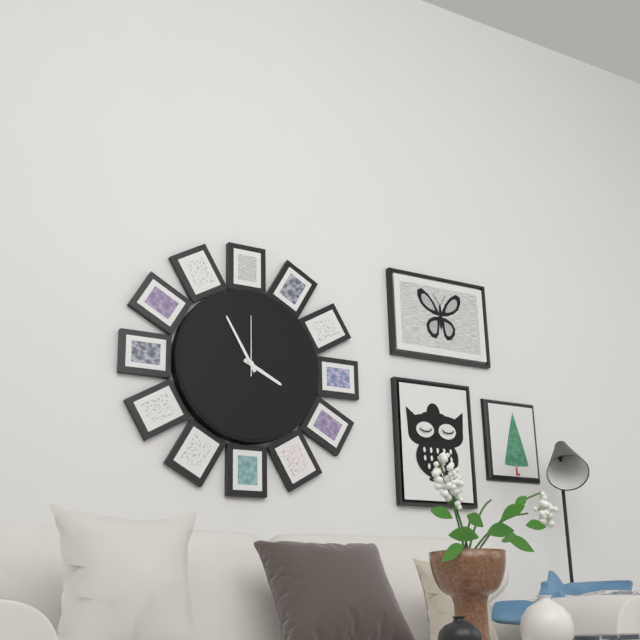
3:55:00
